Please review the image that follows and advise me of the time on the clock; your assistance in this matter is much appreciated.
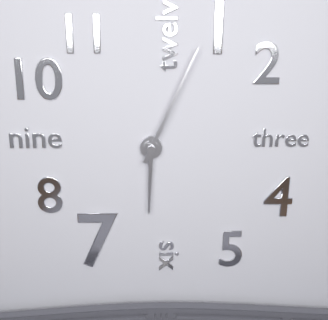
6:04
